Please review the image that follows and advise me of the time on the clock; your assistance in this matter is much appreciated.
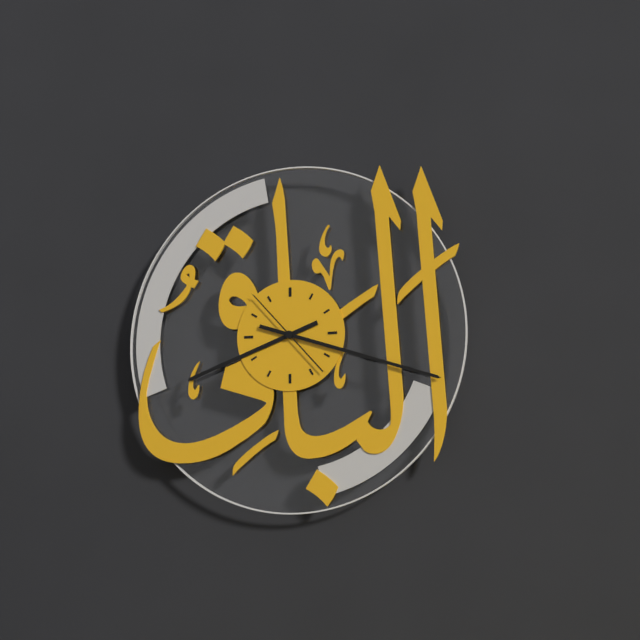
8:18:53
